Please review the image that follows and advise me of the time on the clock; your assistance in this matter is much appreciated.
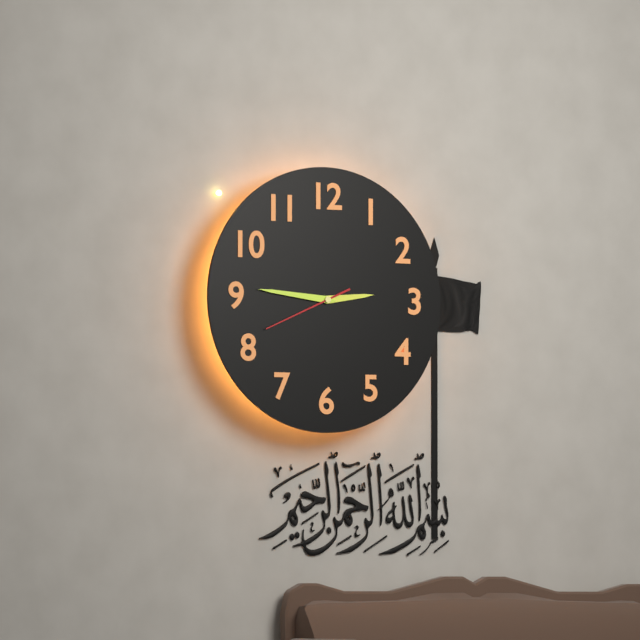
2:46:41
